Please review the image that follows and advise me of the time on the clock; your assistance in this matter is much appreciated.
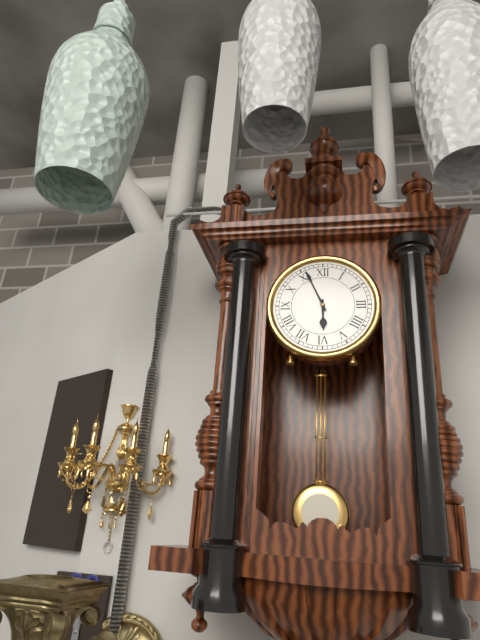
5:56
